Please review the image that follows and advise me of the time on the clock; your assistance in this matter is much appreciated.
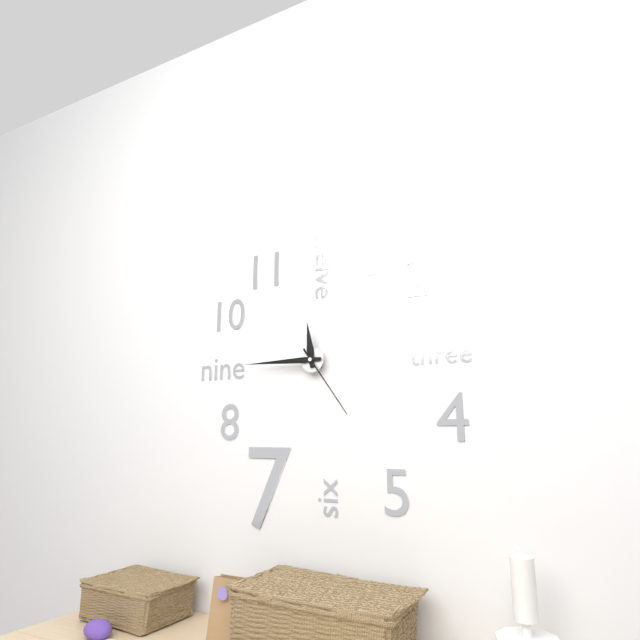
11:45:24
